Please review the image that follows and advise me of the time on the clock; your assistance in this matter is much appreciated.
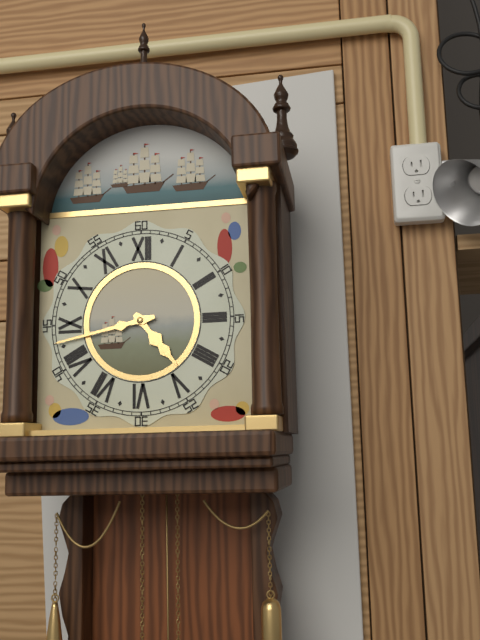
4:43
